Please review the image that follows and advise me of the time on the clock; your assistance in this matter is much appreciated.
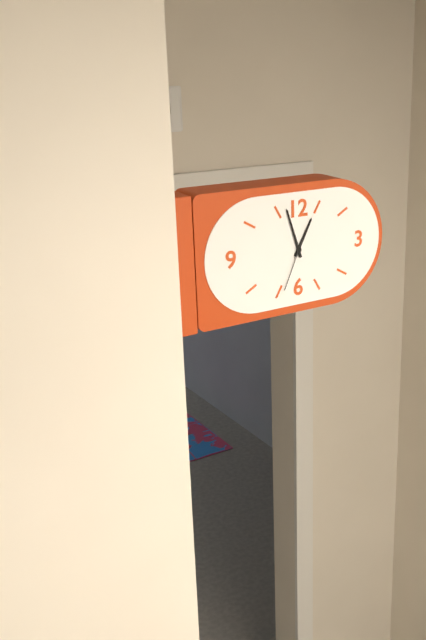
12:57:34
